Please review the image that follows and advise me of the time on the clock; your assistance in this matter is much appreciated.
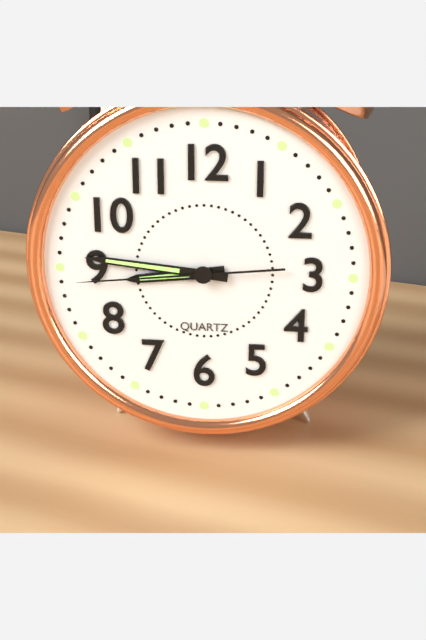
8:46:44
